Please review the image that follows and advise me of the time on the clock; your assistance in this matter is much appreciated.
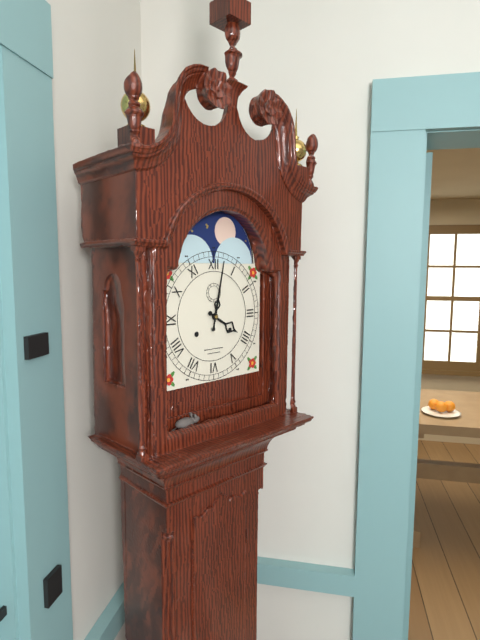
4:02
